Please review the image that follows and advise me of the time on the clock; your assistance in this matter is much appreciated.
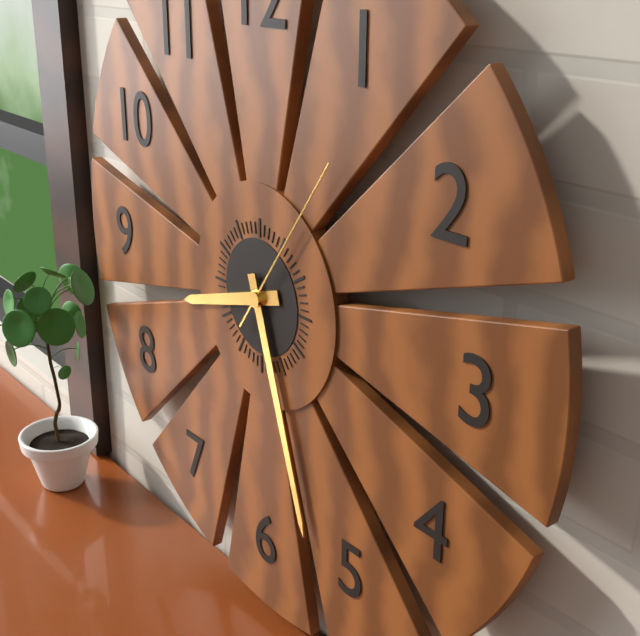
8:27:06
